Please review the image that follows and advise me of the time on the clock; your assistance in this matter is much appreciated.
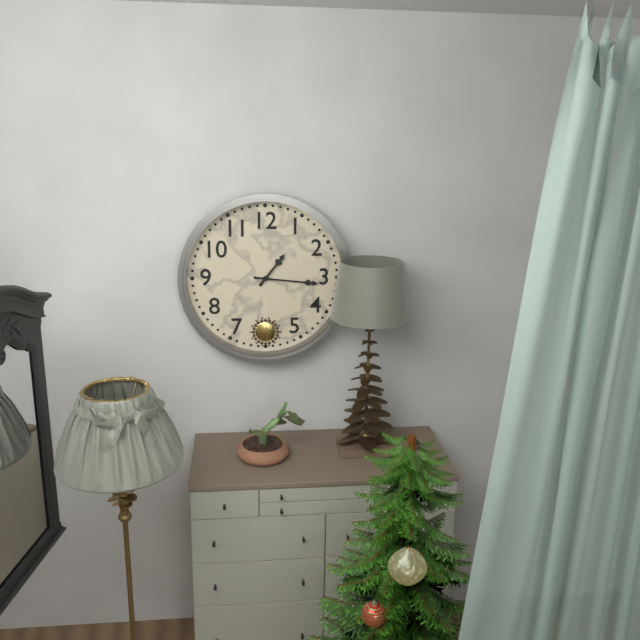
1:16
